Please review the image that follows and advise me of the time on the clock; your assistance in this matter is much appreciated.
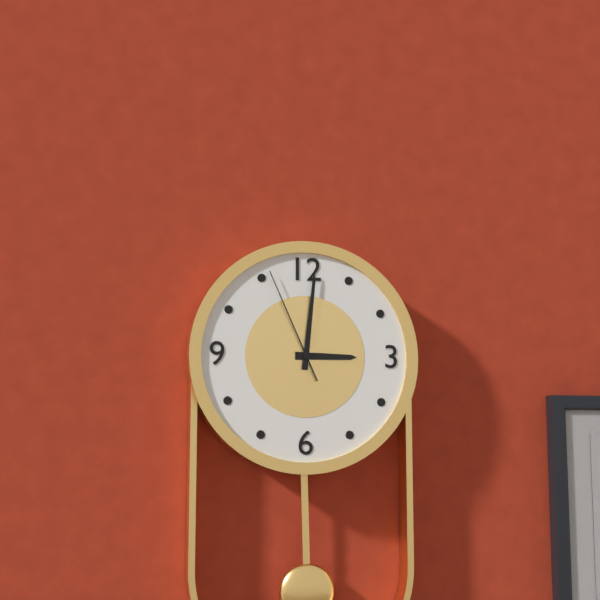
3:01:56
